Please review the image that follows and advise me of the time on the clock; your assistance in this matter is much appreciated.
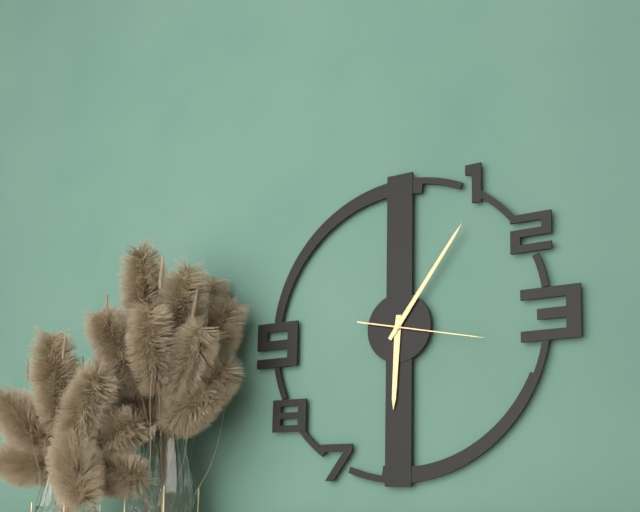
6:06:17
